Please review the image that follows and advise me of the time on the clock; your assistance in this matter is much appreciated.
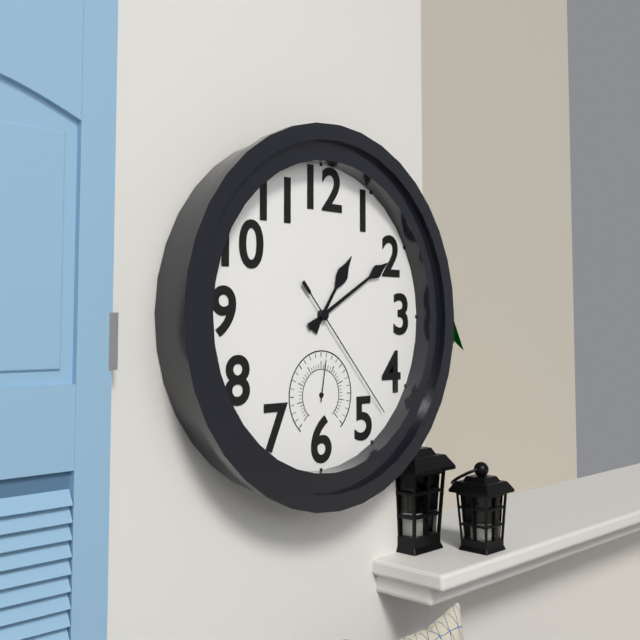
1:10:23
